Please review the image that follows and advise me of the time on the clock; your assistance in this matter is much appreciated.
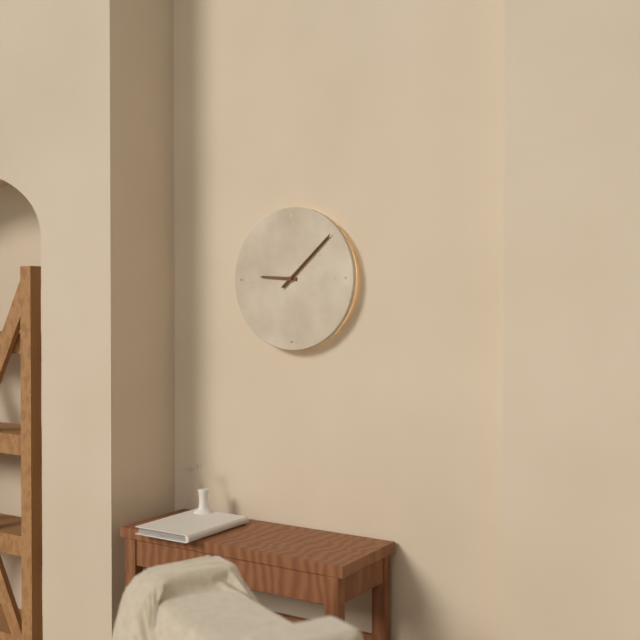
9:08:08
